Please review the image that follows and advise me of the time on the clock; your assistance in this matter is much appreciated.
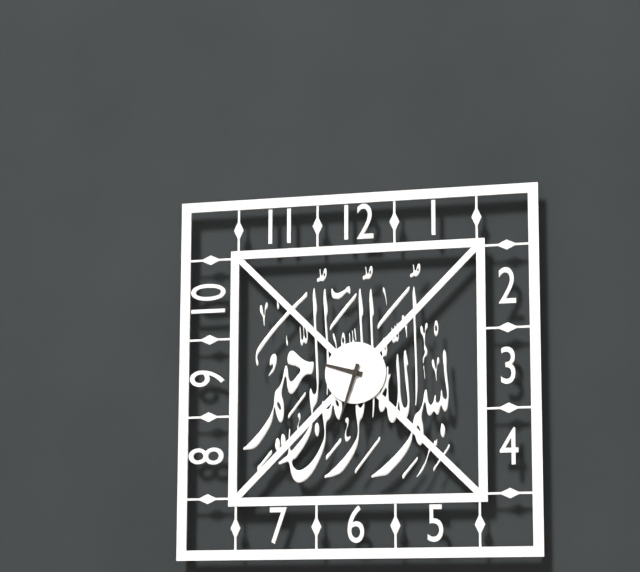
9:33
